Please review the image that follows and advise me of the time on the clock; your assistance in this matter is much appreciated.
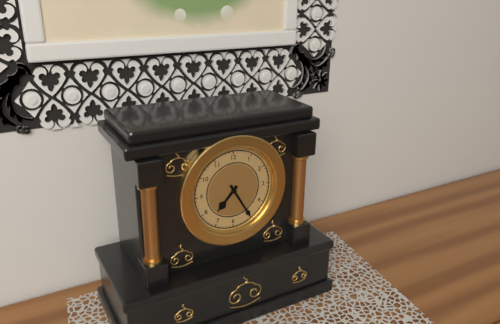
7:25
